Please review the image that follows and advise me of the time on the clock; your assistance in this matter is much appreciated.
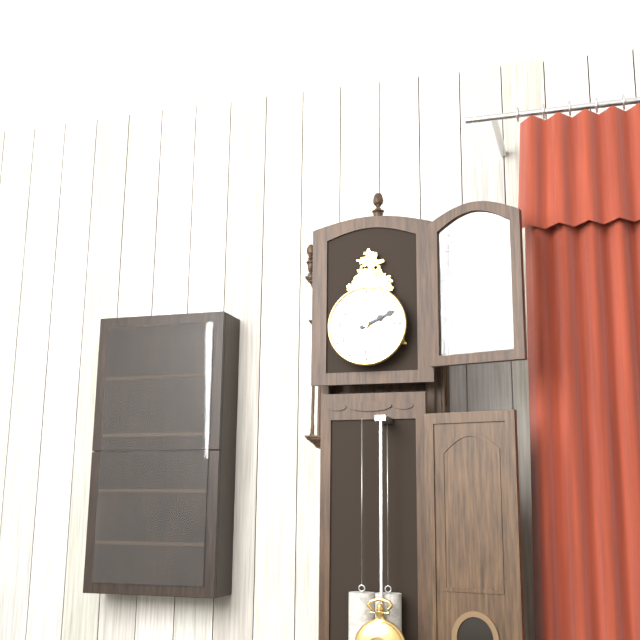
2:11
